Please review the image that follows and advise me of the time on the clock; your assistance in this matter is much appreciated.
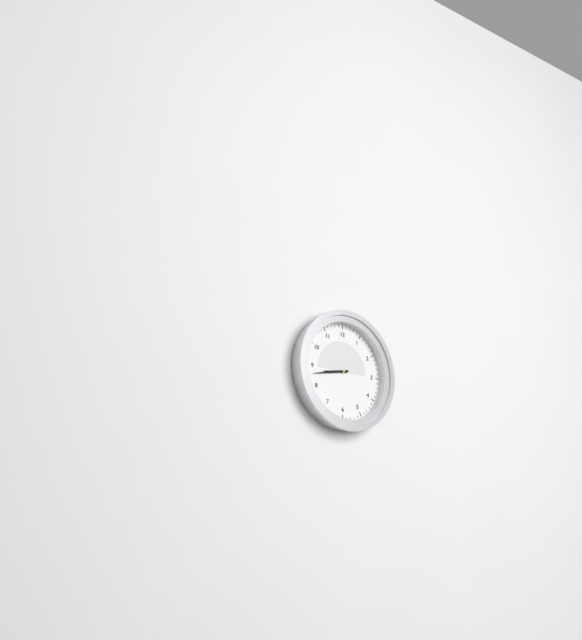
8:43
